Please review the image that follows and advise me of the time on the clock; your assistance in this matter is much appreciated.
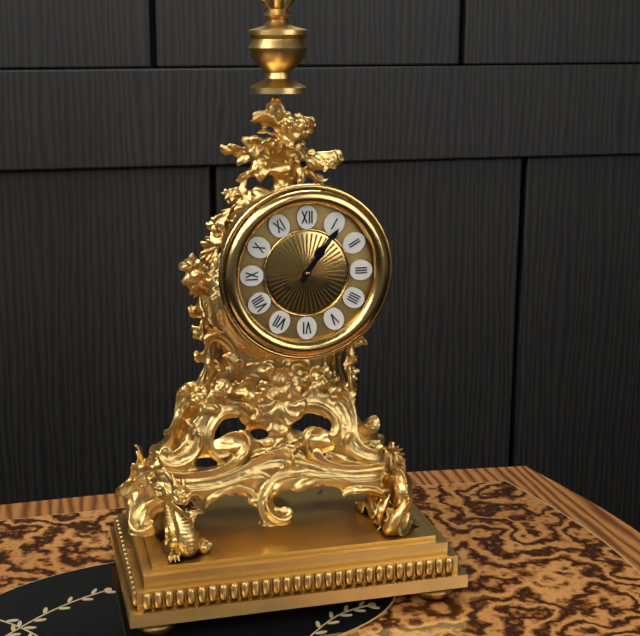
1:06
